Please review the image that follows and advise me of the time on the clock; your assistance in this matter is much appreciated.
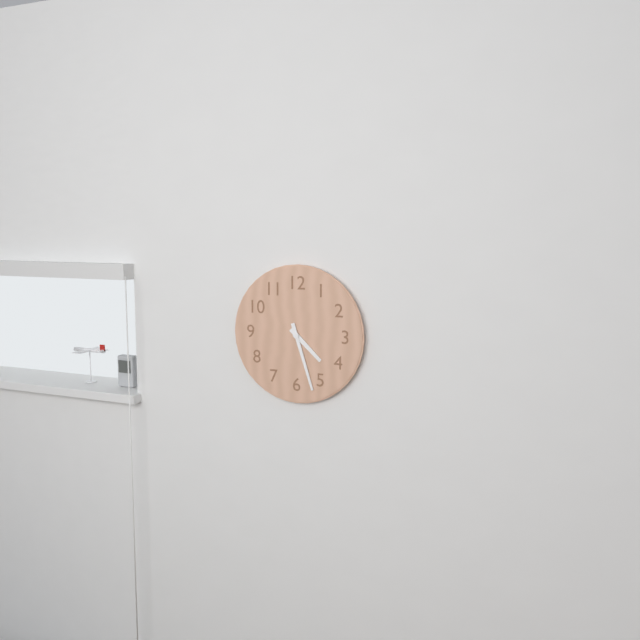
4:27
